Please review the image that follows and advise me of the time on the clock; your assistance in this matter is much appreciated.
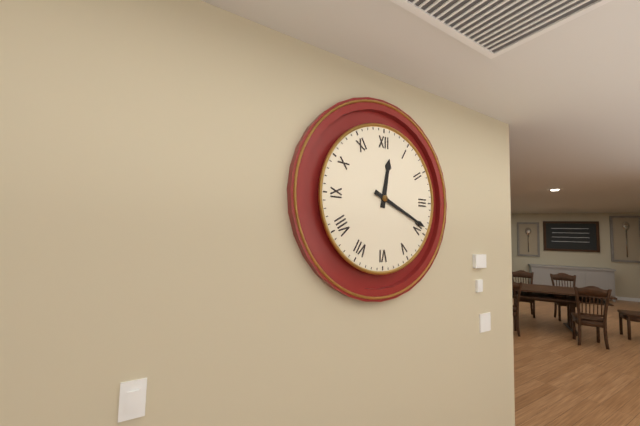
12:19
